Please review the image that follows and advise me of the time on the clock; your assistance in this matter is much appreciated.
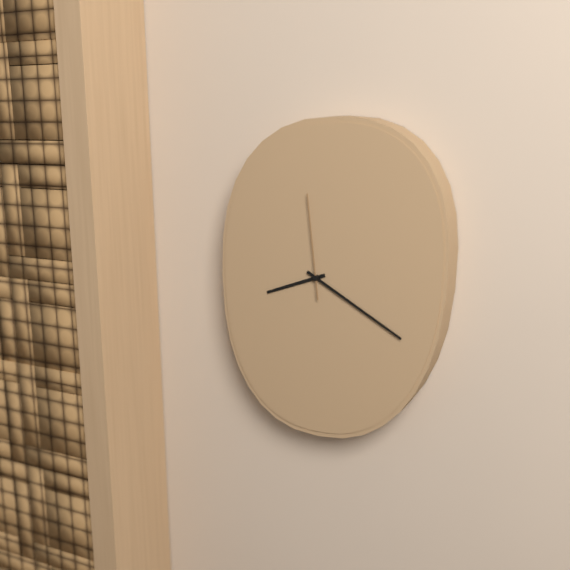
8:20:59
